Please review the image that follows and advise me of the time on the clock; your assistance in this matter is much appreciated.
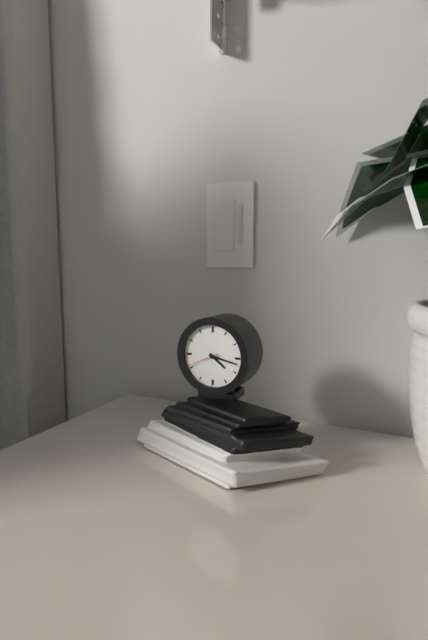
4:17
